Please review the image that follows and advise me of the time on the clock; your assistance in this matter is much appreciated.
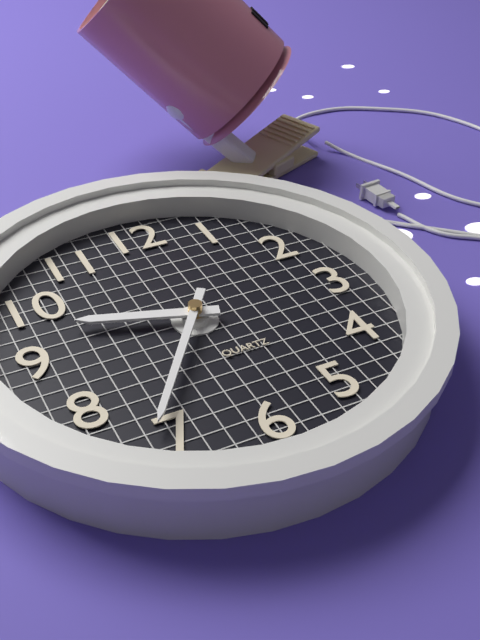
9:36
